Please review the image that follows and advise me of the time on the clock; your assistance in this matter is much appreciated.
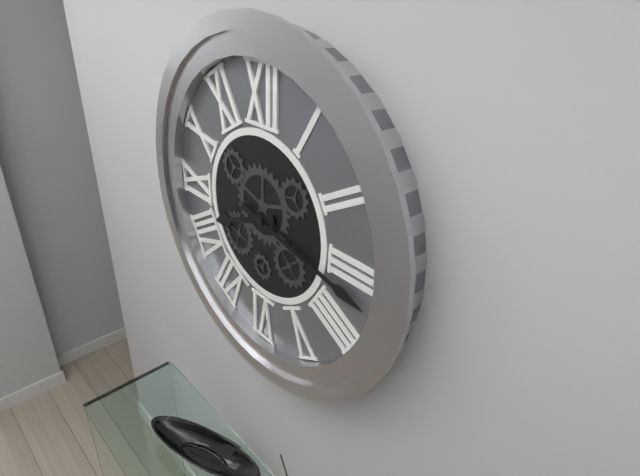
8:17
